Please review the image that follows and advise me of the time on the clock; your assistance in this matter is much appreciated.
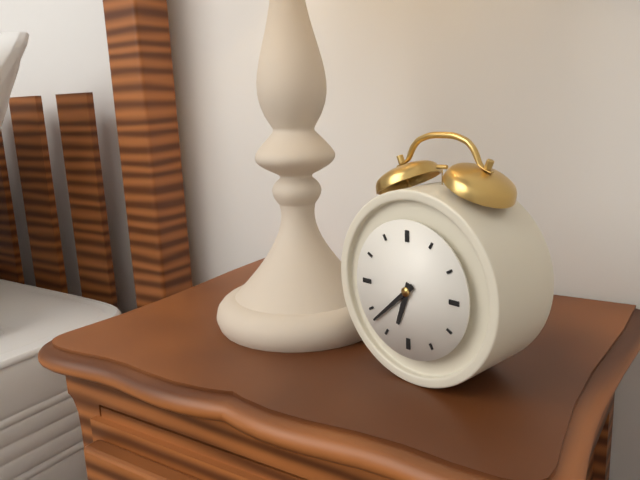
6:38
